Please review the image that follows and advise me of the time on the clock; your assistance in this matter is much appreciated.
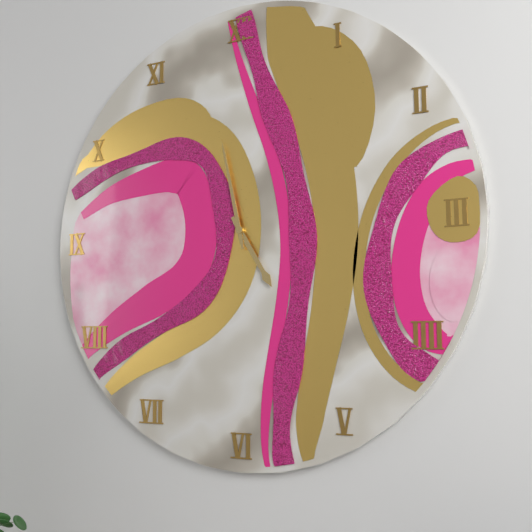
4:58
